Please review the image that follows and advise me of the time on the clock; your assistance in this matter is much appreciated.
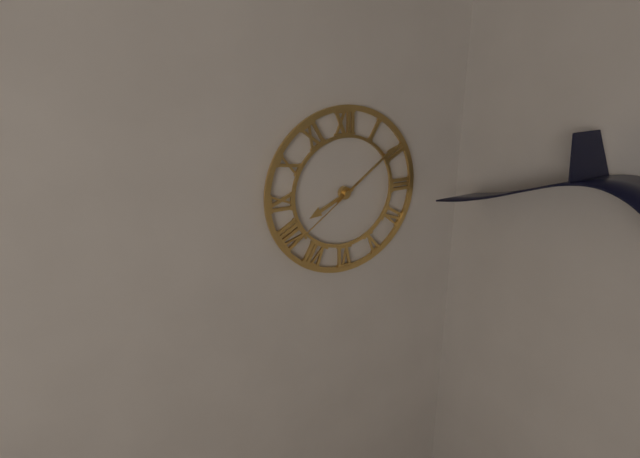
8:09:39
